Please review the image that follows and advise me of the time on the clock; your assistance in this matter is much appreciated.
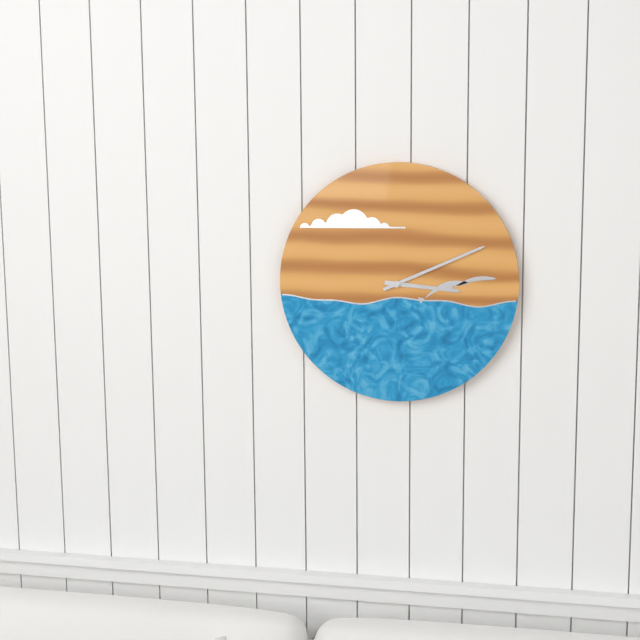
3:11
